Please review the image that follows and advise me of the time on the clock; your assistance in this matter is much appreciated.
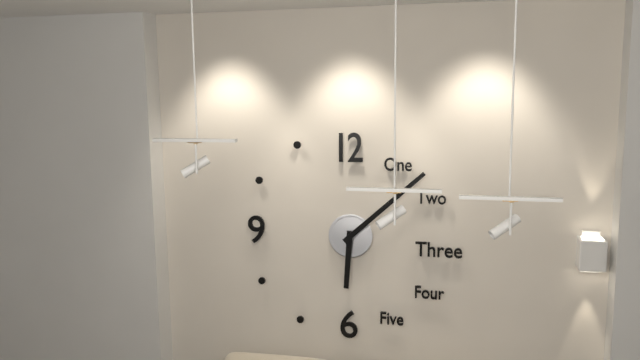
6:08
